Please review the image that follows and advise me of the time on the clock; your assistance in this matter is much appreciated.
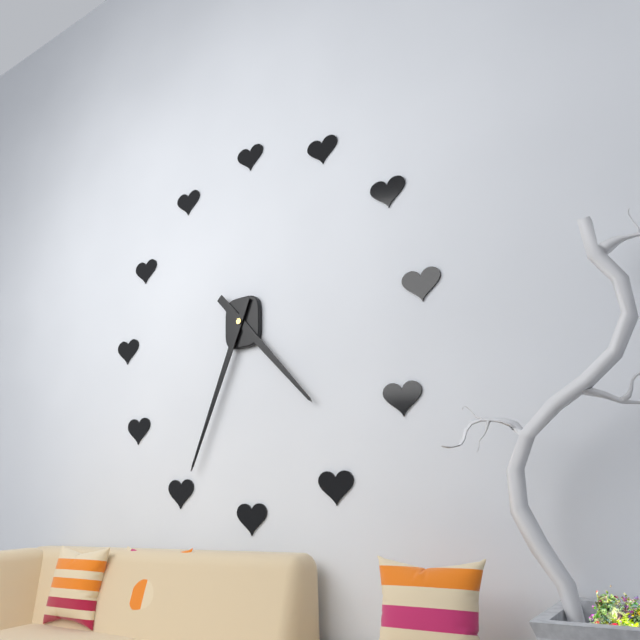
4:34
